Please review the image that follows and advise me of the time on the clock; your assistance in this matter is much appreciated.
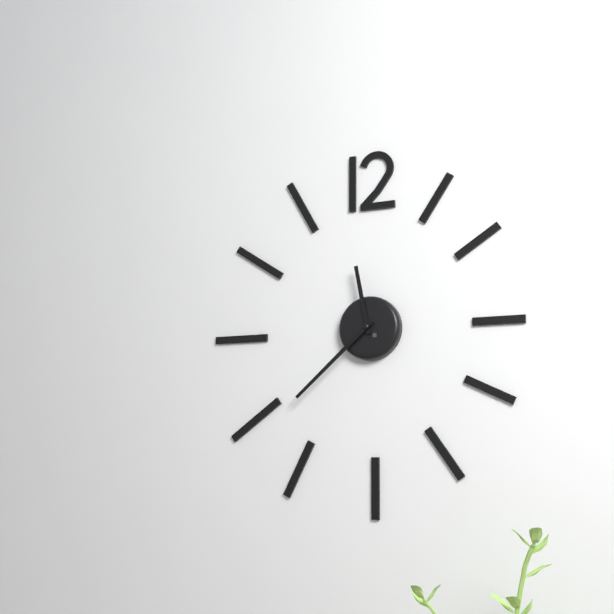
11:38
